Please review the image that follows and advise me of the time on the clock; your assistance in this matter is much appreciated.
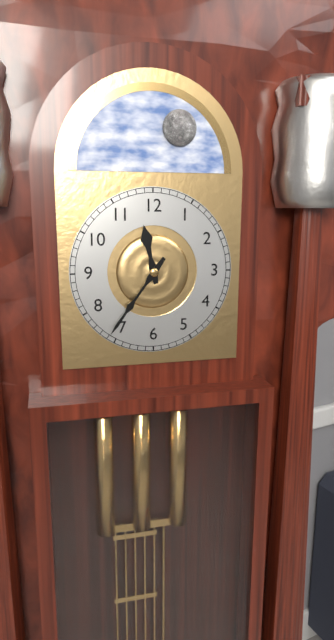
11:36
